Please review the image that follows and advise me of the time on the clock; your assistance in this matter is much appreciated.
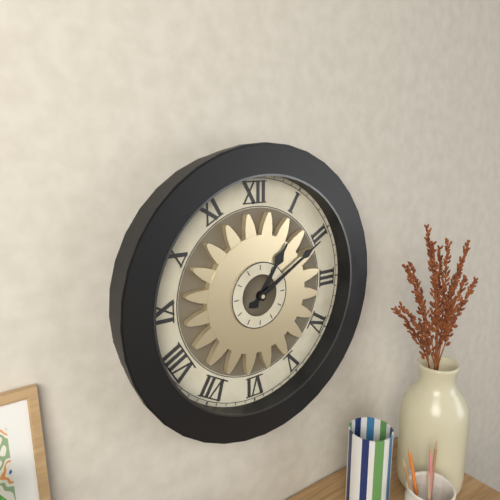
1:10
